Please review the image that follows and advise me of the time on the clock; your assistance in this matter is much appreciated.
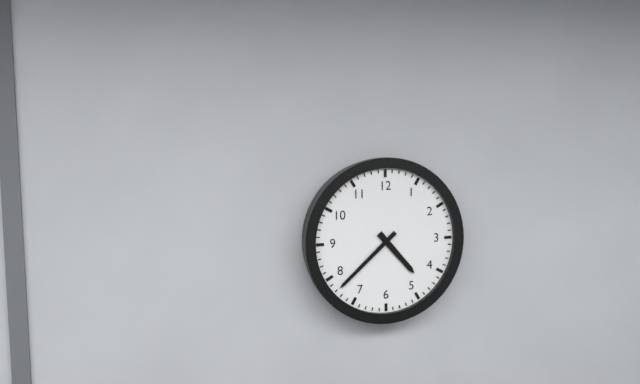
4:38
